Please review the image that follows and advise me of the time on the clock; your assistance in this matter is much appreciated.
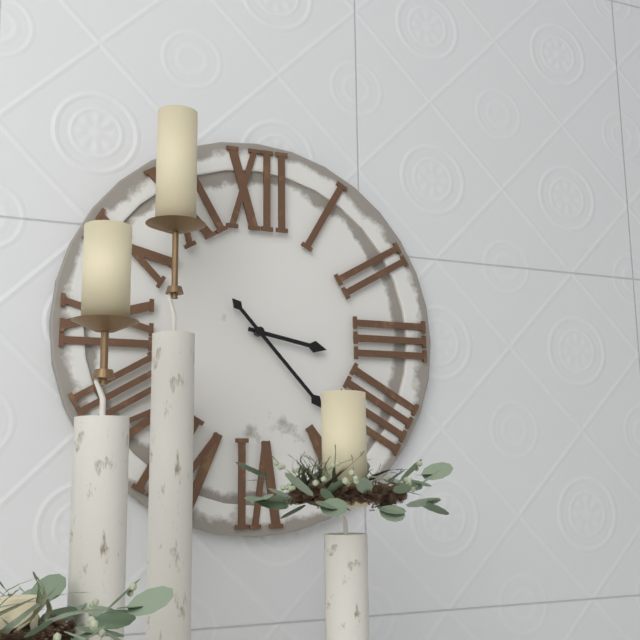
3:23
